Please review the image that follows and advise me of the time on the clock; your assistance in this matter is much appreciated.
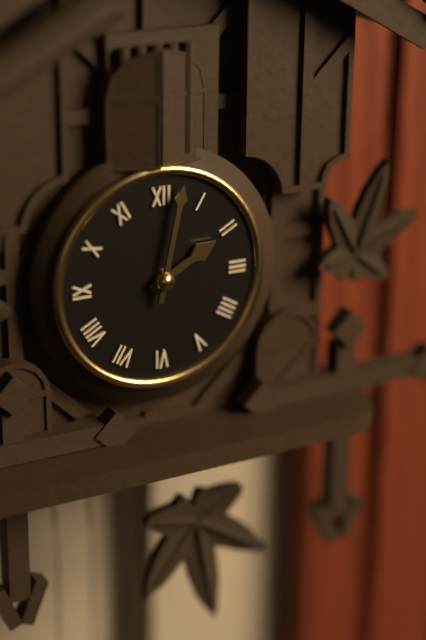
2:02
